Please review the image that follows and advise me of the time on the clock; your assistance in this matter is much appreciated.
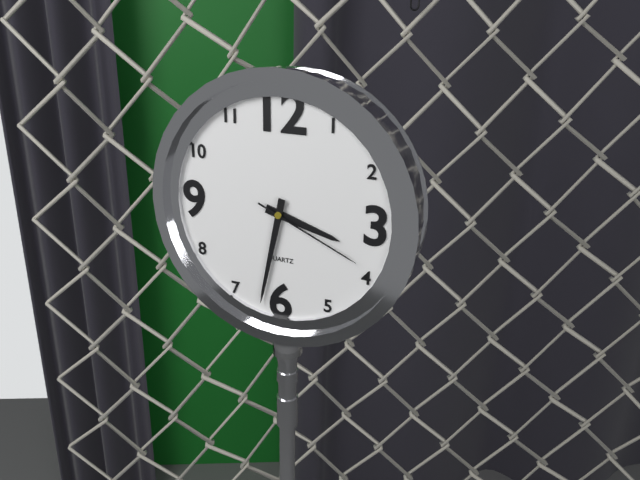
3:32:19
